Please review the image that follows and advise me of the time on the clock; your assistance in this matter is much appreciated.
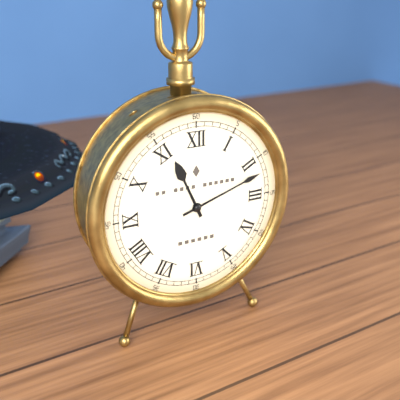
11:12
